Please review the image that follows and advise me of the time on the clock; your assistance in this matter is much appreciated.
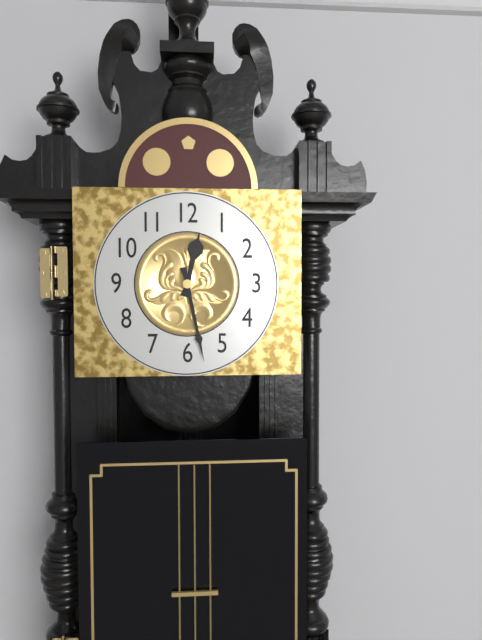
12:28
